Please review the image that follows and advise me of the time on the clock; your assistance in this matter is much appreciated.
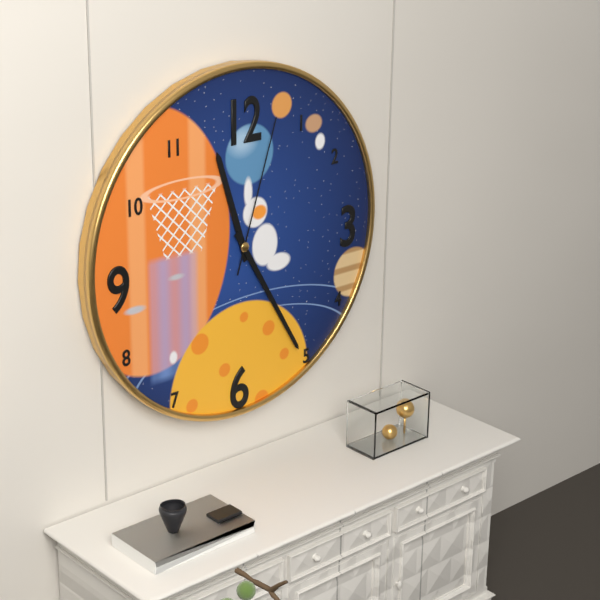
11:25:03
